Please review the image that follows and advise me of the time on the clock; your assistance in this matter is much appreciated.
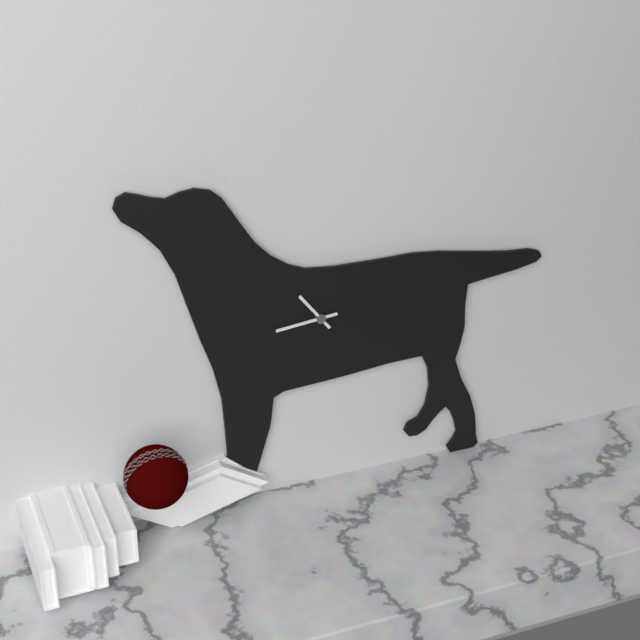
10:44
